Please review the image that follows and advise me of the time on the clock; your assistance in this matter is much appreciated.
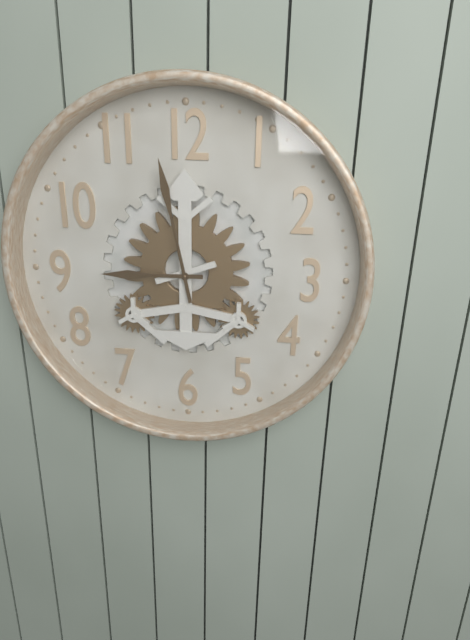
8:58
